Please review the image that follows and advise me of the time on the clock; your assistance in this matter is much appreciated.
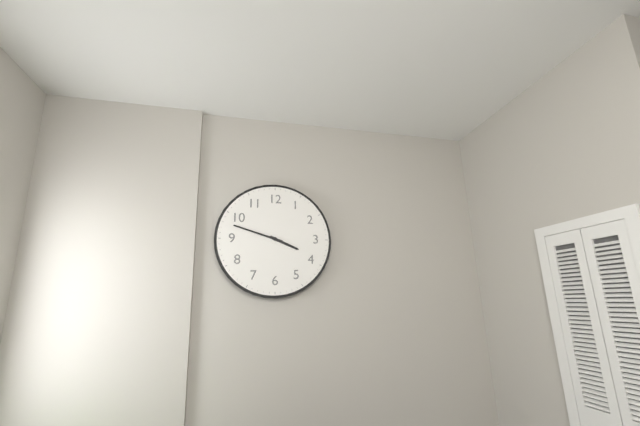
3:48
